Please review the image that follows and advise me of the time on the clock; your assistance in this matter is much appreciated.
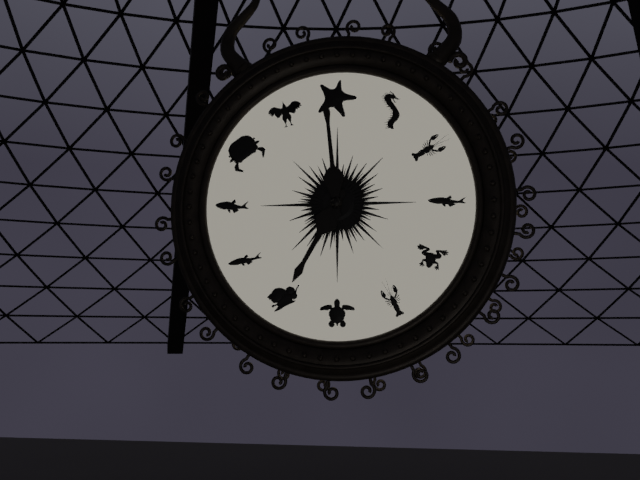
6:59
